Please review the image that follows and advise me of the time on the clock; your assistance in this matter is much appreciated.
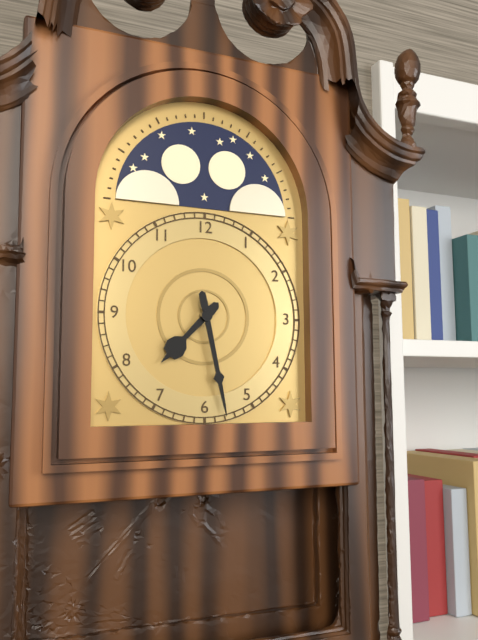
7:28
